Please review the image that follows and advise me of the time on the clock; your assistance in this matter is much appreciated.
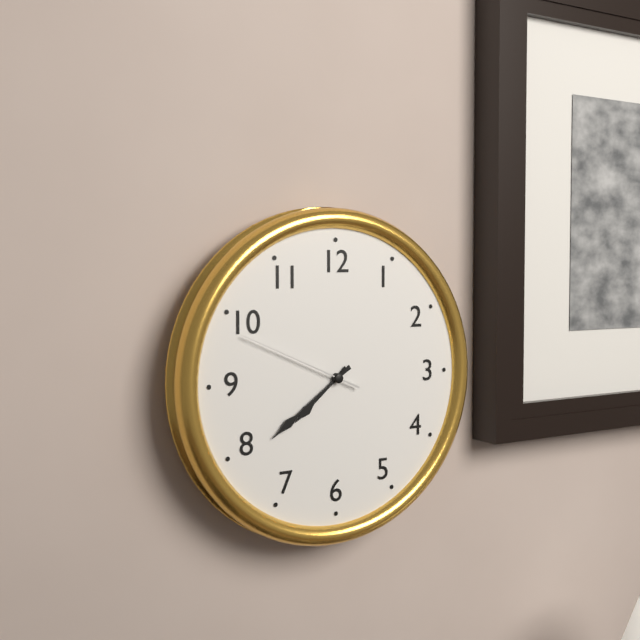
7:39:49
